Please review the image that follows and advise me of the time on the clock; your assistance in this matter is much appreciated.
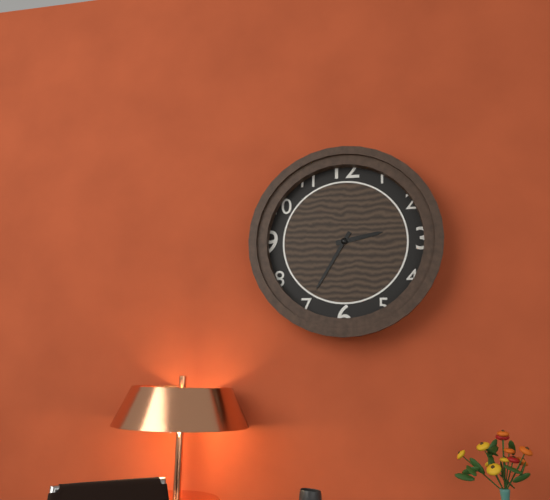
2:35
